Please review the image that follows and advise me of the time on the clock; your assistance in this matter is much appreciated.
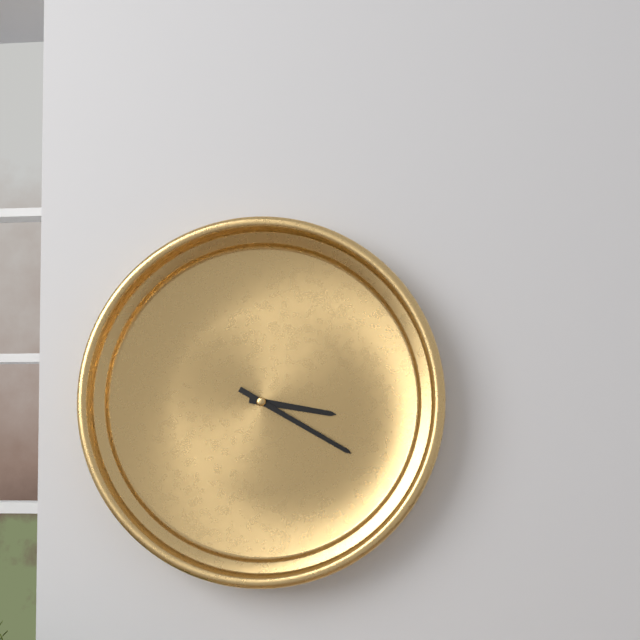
3:20
